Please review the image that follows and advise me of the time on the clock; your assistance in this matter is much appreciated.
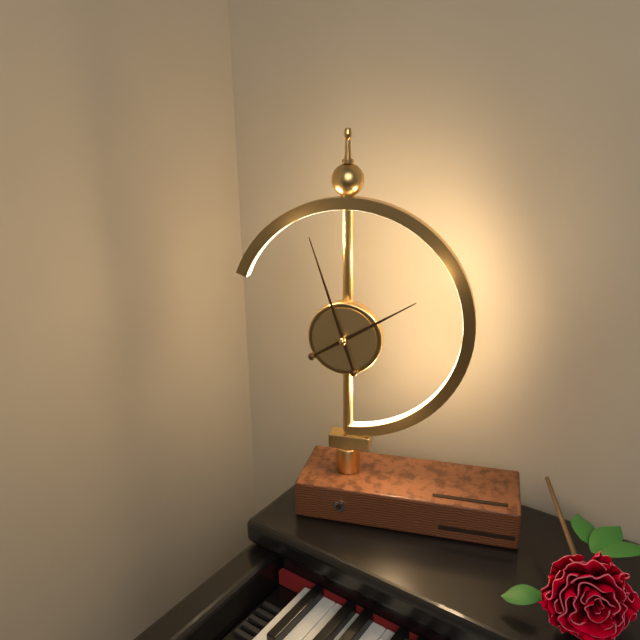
1:57
